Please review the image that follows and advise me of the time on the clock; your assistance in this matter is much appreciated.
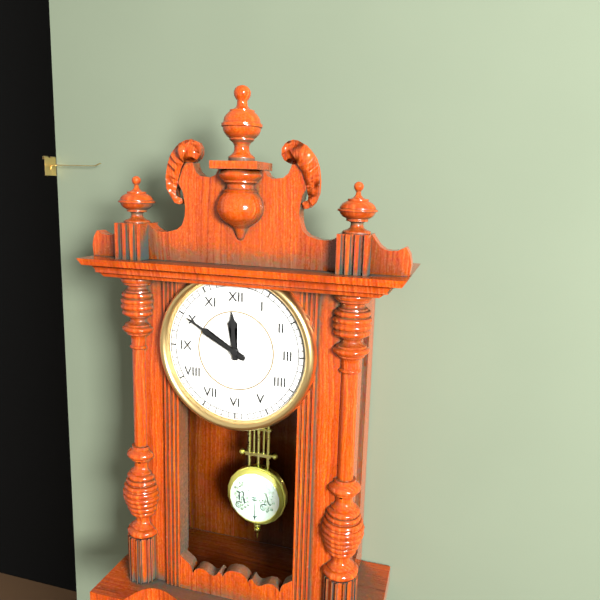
11:50
